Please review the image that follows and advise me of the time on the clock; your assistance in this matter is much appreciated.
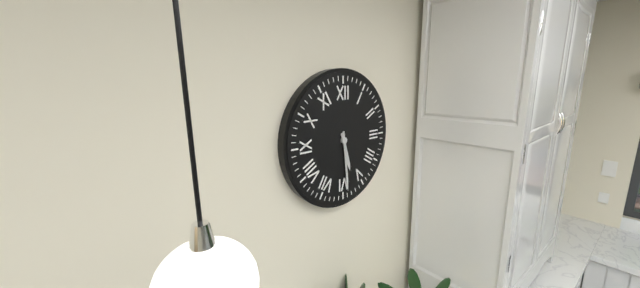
5:29
